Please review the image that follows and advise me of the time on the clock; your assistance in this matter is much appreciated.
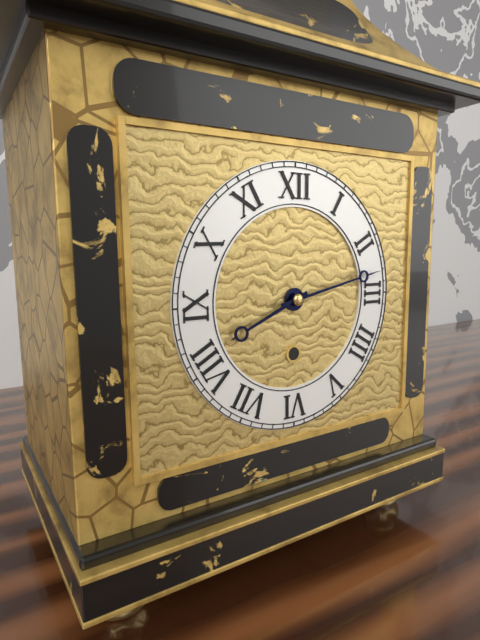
8:13
